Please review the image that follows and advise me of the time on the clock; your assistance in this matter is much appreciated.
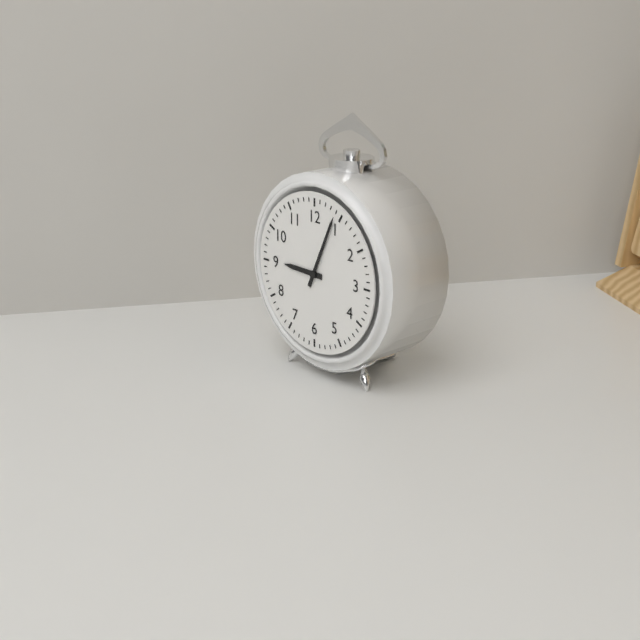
9:04
